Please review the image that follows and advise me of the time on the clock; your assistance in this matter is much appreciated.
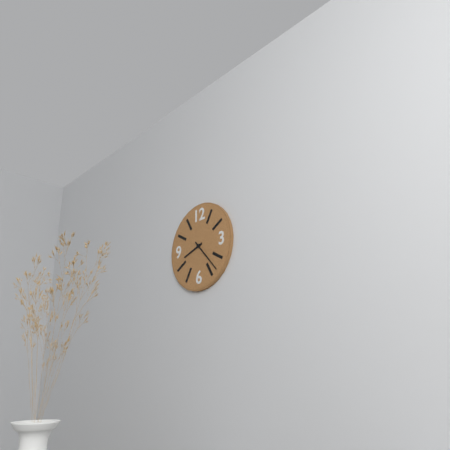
8:23
